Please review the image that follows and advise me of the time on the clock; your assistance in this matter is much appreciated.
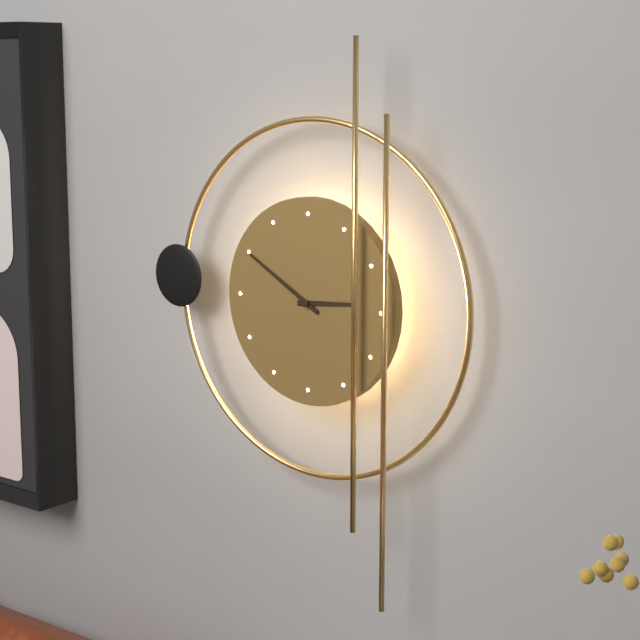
2:50
